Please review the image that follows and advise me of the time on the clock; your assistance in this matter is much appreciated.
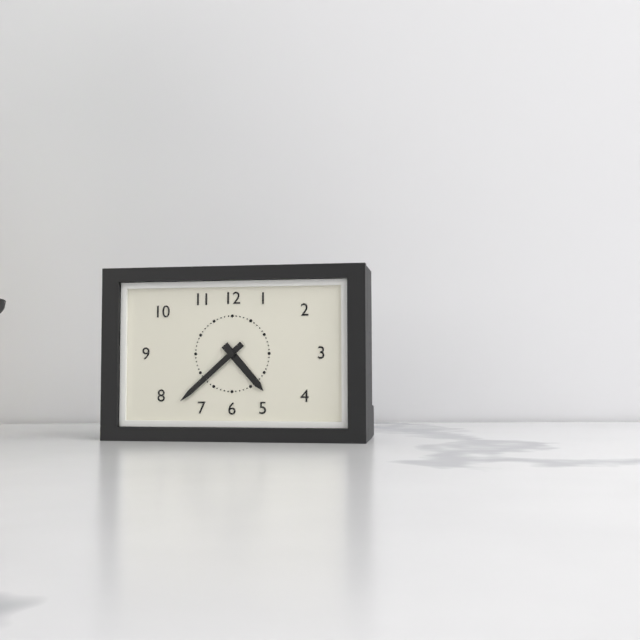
4:38
